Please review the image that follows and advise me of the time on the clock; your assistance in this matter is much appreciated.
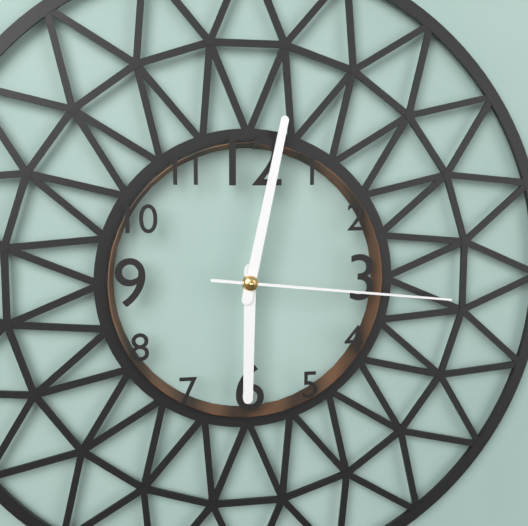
6:02:16
